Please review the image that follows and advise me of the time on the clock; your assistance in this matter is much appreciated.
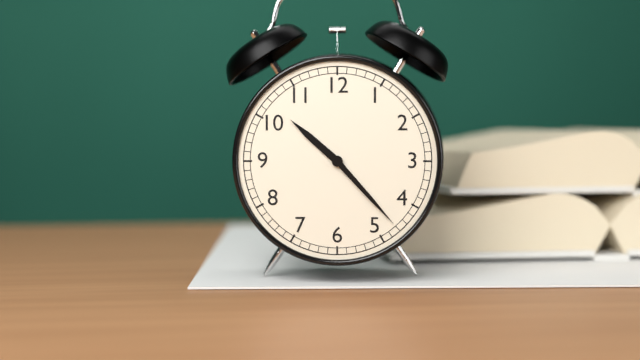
10:23
